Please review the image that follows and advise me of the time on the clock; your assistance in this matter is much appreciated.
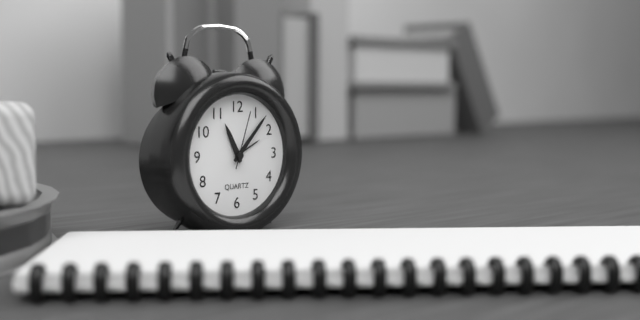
11:07:03
